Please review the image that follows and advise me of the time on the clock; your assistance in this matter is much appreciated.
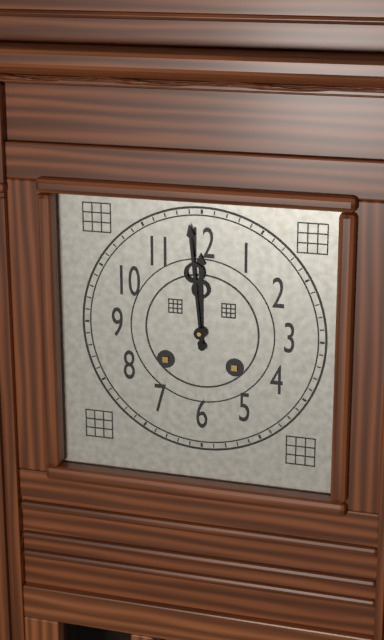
11:59
